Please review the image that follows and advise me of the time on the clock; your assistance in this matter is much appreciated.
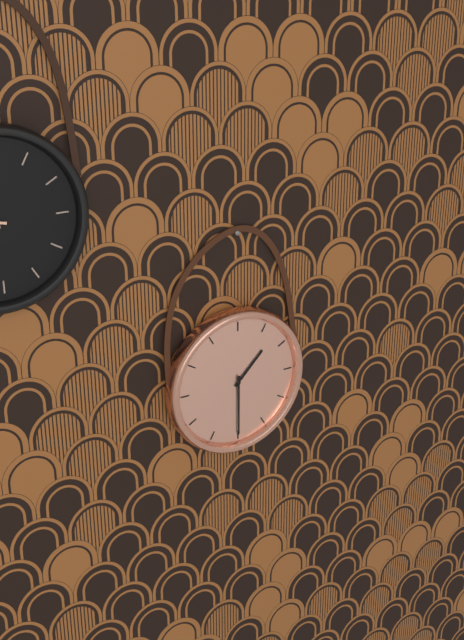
1:30
